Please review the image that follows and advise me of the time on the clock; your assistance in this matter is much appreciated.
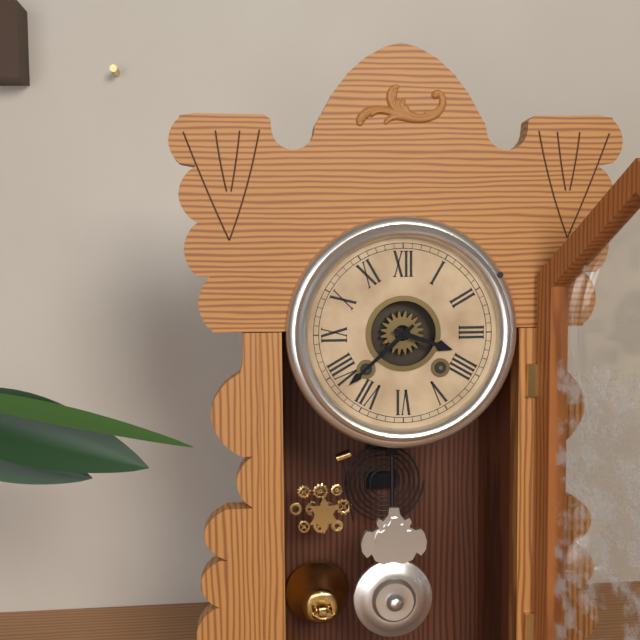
3:38
